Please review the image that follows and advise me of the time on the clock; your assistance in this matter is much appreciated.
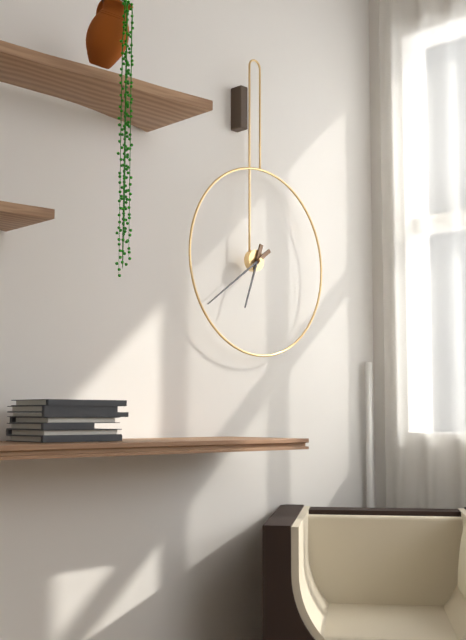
6:39
